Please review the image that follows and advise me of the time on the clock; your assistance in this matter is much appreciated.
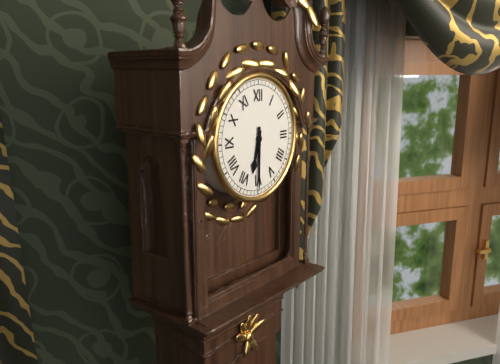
6:30
